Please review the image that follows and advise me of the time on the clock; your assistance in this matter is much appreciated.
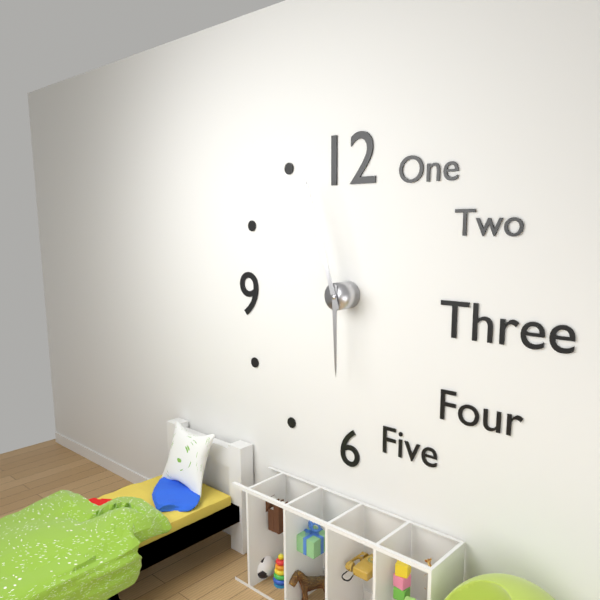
5:57
